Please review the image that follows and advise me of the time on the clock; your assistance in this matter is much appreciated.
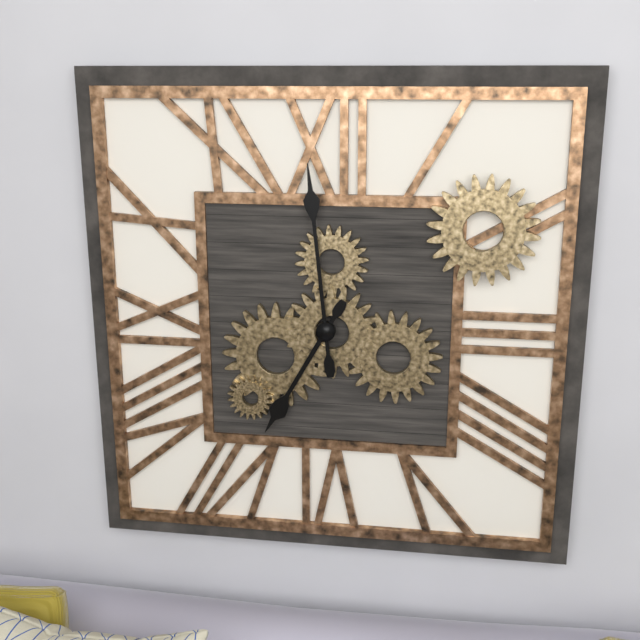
6:59
